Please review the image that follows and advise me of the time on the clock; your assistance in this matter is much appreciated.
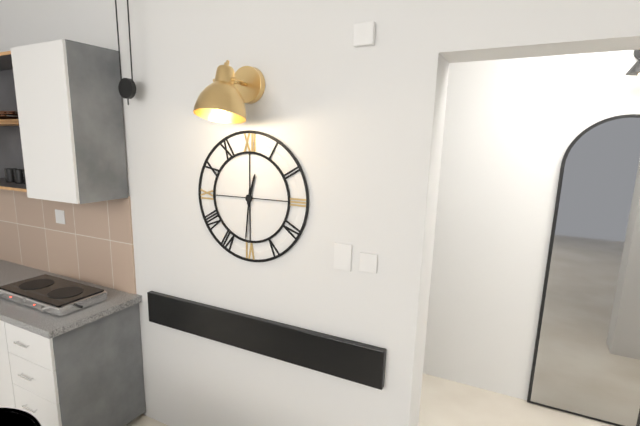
12:31
